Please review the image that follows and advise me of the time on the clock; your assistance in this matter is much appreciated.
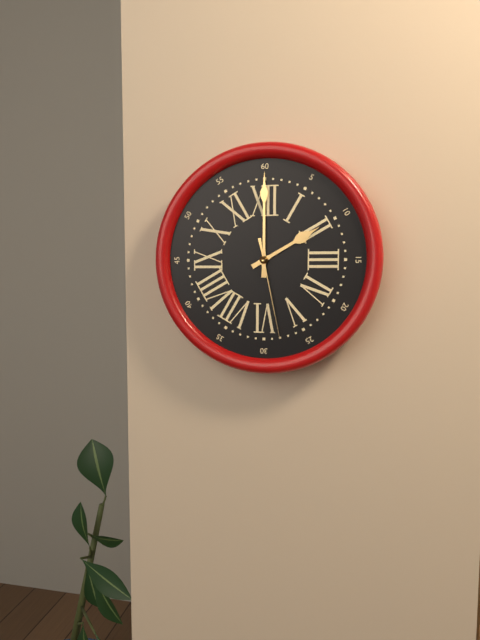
2:00:28
